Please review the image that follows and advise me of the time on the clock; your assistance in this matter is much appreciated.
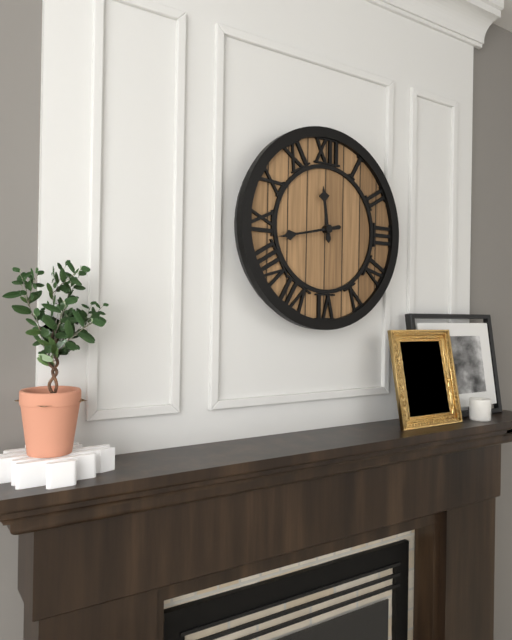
11:43
